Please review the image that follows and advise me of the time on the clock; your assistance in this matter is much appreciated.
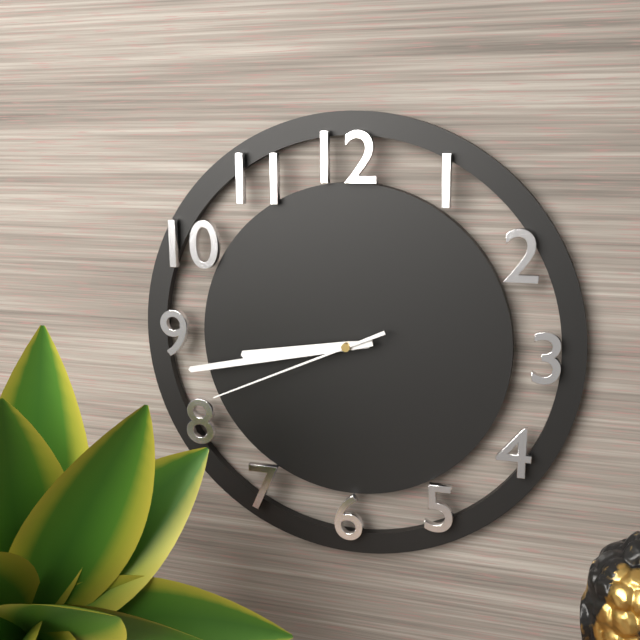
8:43:41
